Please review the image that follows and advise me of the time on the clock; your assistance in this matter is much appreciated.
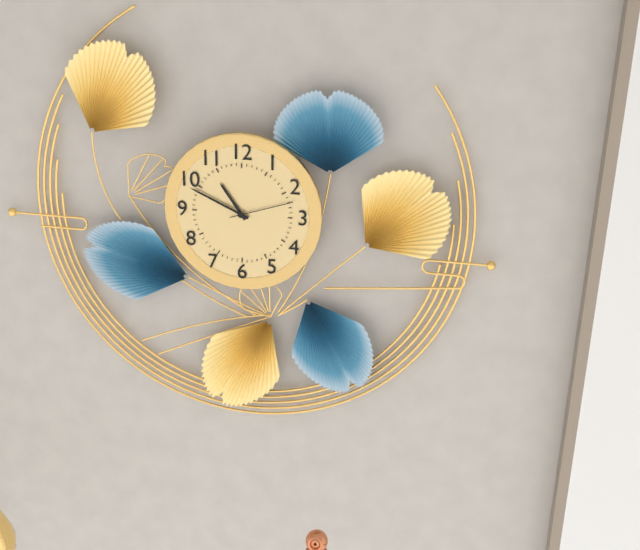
10:49:12
